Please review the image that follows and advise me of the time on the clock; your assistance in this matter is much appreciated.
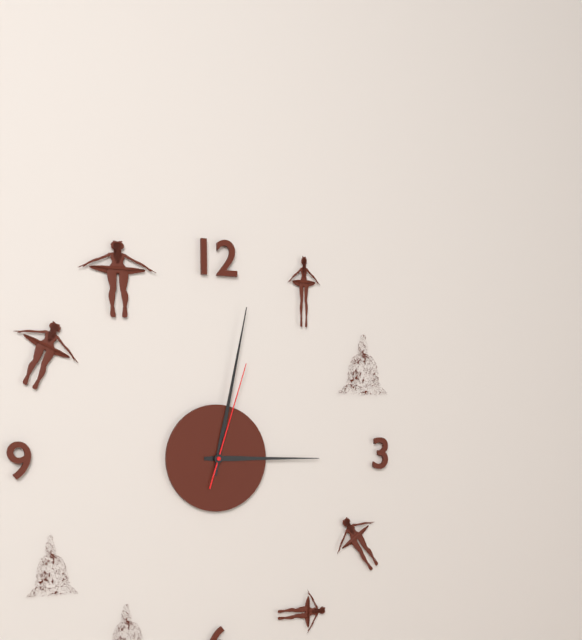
3:02:03
